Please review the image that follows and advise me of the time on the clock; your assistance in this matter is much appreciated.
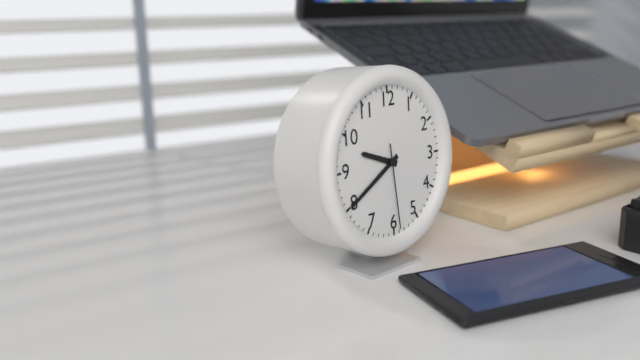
9:40:29
